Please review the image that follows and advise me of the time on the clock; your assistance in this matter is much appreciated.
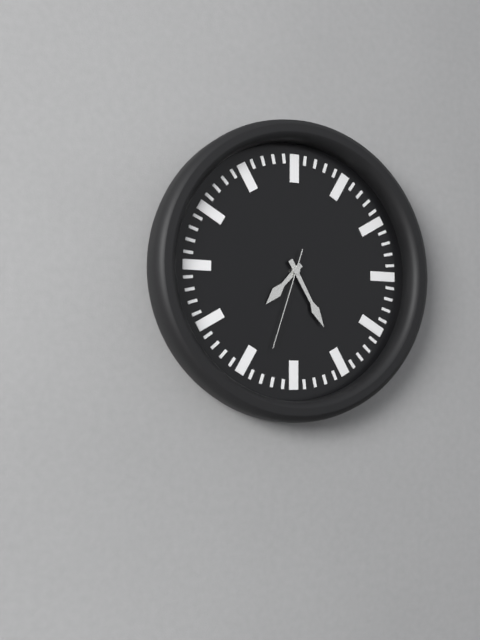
7:25:33
